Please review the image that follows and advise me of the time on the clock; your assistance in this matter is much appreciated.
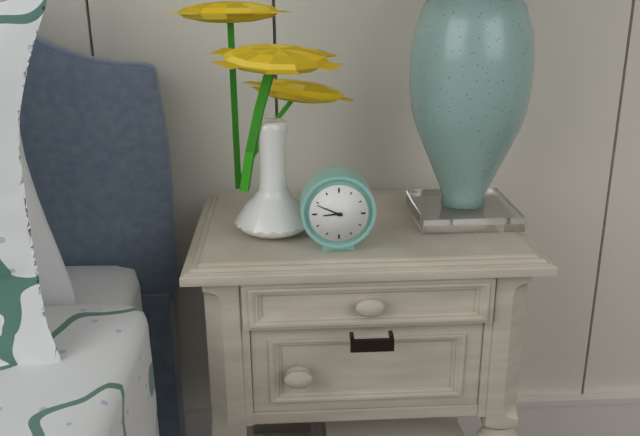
8:49
